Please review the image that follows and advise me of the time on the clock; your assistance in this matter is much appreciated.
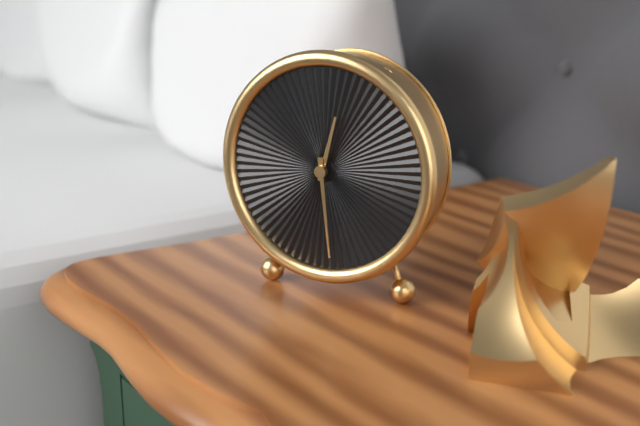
12:29
